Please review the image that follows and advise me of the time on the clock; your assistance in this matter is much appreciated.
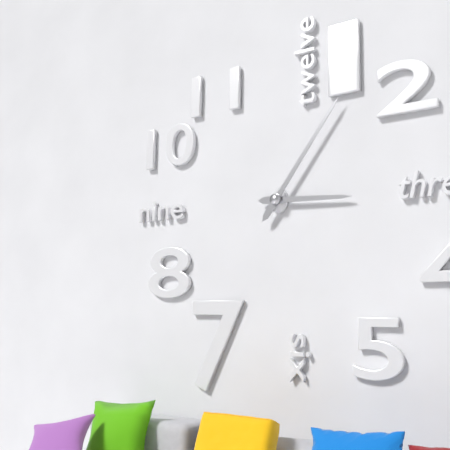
3:06
